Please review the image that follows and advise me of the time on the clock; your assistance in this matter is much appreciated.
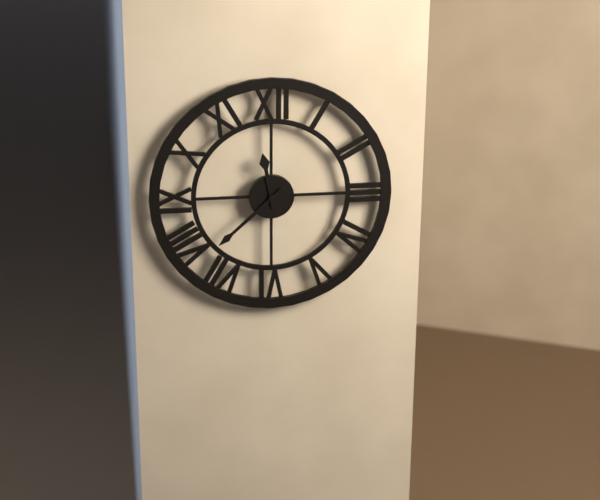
11:38
